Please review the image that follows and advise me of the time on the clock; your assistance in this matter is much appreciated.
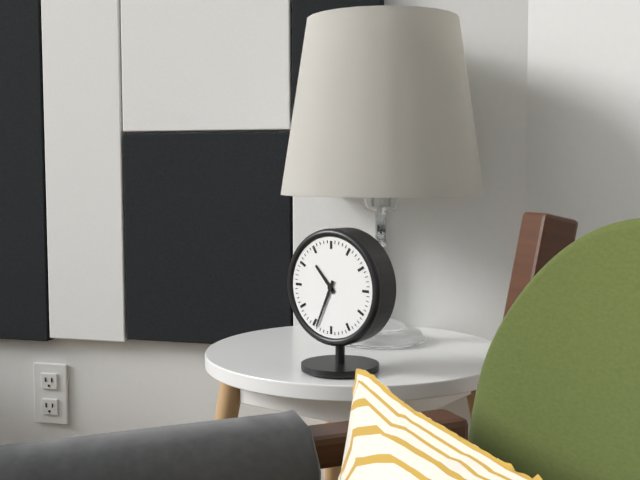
10:34
